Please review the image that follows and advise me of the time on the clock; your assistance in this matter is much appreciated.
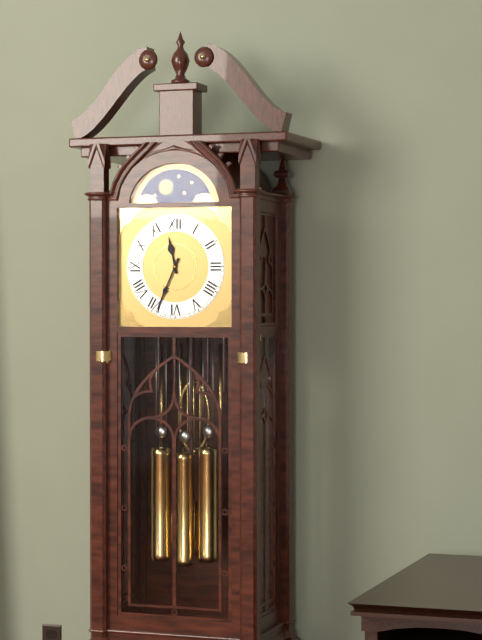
11:34
